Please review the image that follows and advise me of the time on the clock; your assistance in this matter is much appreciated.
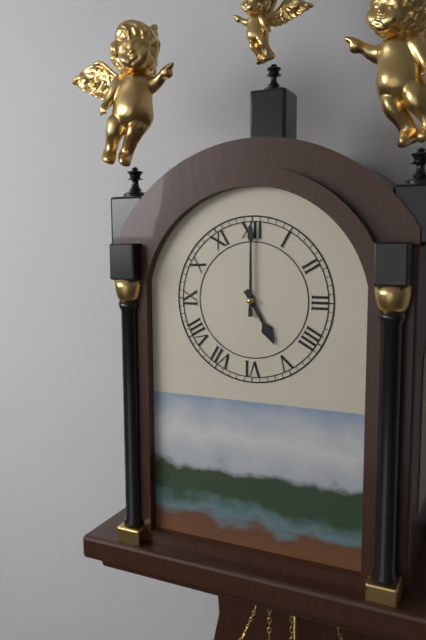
5:00
